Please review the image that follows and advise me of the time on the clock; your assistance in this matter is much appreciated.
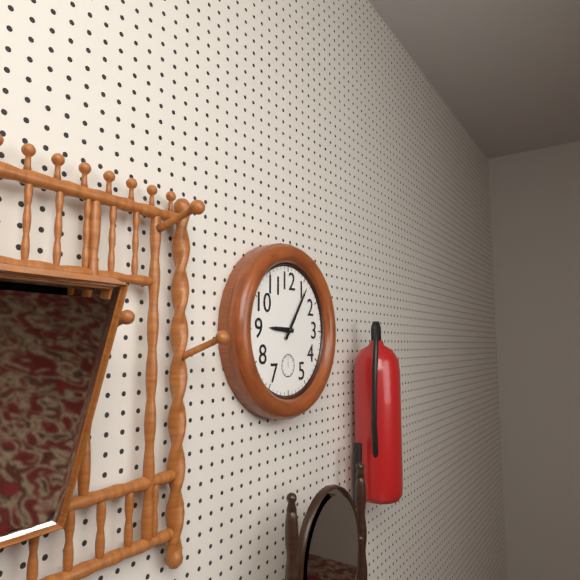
9:06
